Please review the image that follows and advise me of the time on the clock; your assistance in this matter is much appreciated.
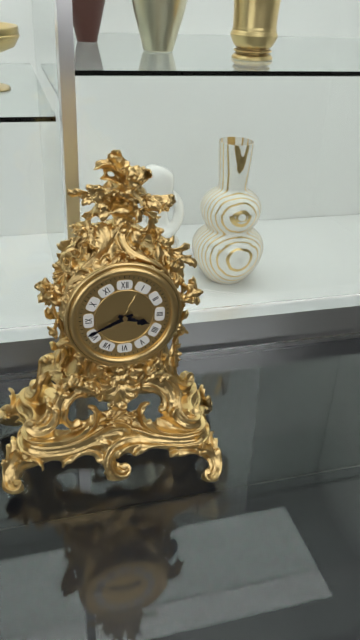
3:41
